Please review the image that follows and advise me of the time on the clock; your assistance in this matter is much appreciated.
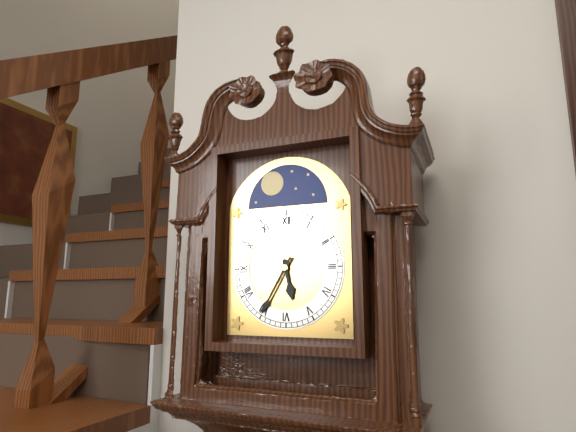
5:35
